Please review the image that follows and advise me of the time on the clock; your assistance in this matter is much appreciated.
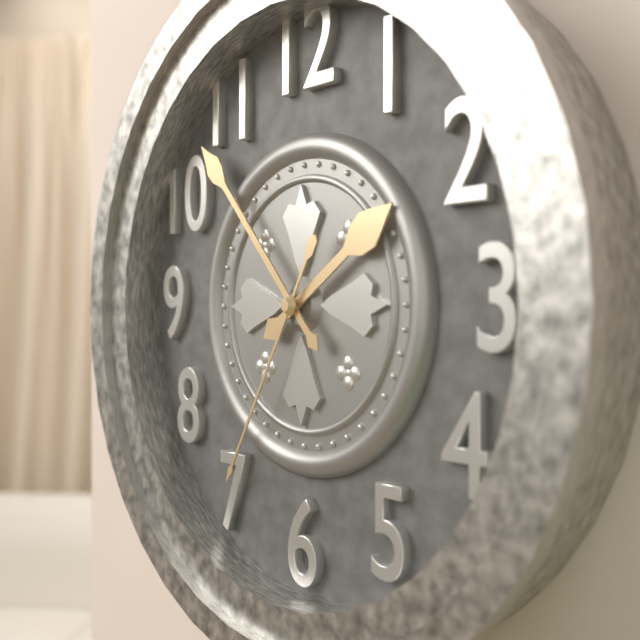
1:53:35
